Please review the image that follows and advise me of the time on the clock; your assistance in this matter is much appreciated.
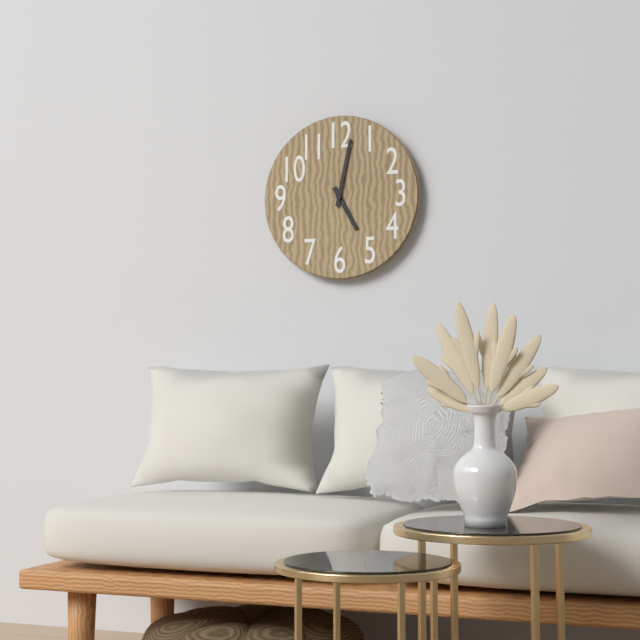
5:02
